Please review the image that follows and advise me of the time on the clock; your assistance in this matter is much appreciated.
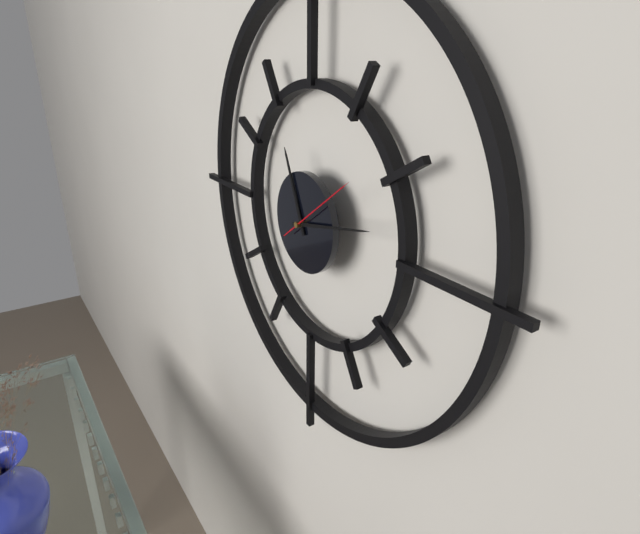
11:13:09
